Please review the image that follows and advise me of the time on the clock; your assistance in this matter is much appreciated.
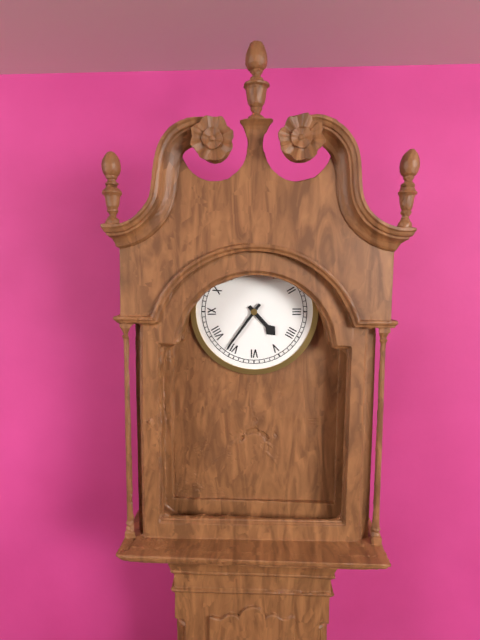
4:36
